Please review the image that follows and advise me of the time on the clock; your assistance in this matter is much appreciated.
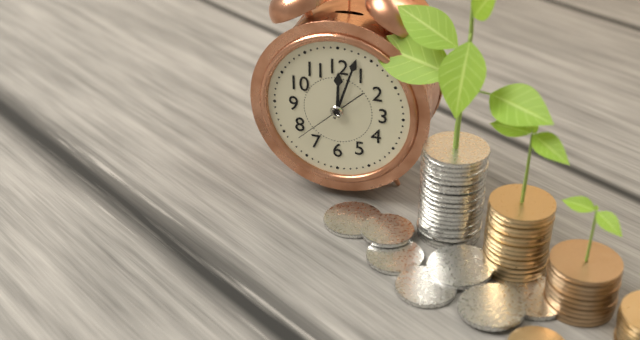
12:03:38
